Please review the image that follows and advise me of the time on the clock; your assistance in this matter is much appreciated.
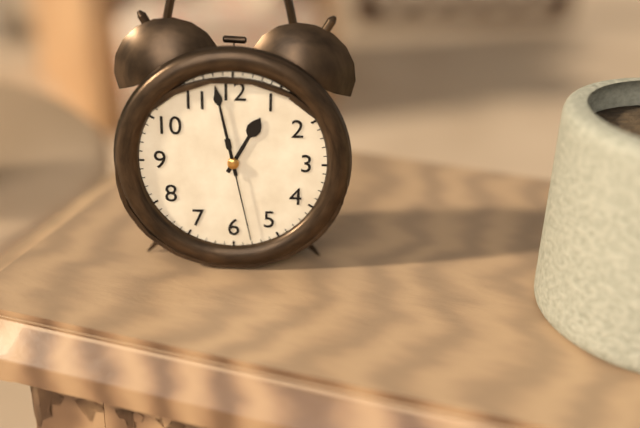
12:58:28
